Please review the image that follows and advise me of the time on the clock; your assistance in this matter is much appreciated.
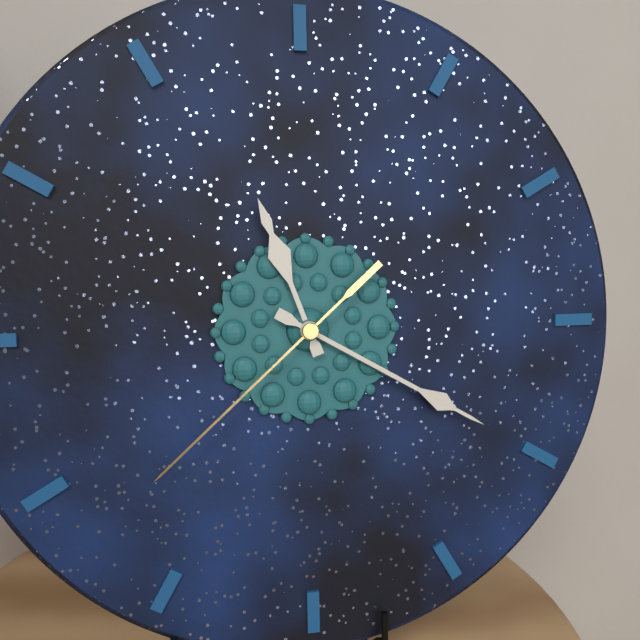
11:20:38
